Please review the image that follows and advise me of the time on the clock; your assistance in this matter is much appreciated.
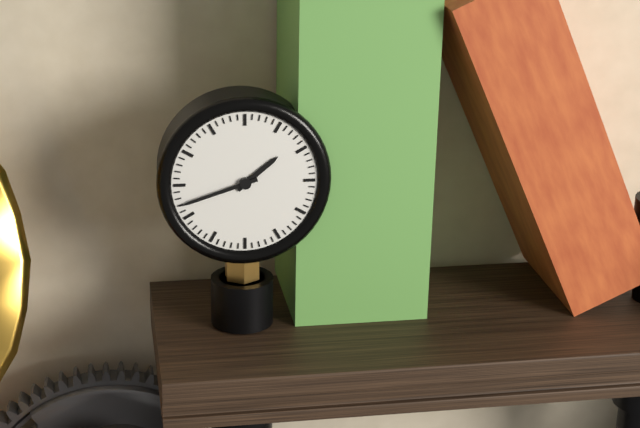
1:42
